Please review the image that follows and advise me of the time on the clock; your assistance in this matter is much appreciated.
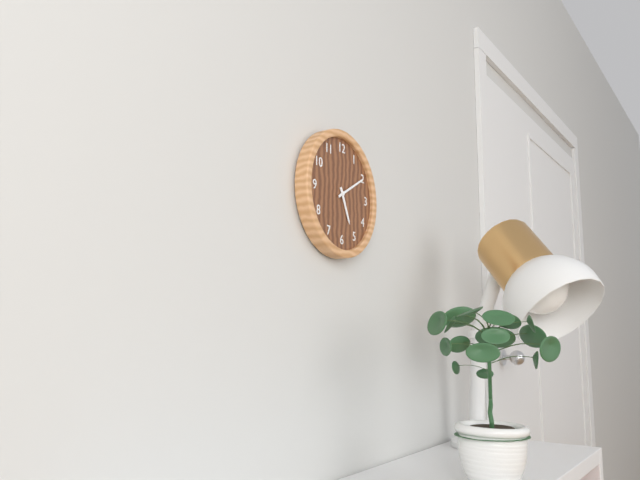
5:10
